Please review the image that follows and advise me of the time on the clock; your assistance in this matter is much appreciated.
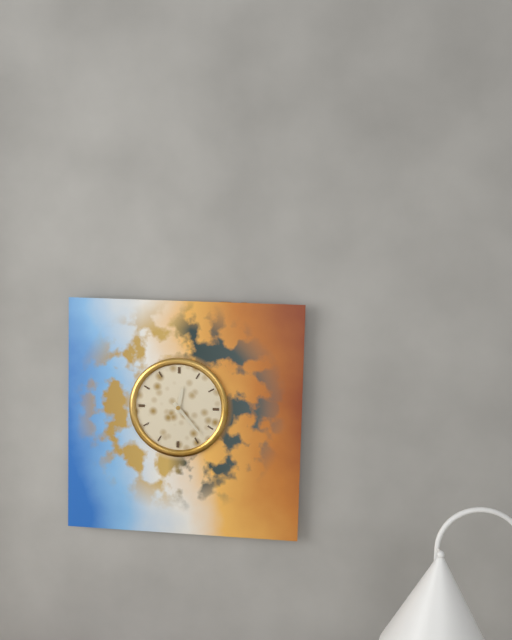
12:23
